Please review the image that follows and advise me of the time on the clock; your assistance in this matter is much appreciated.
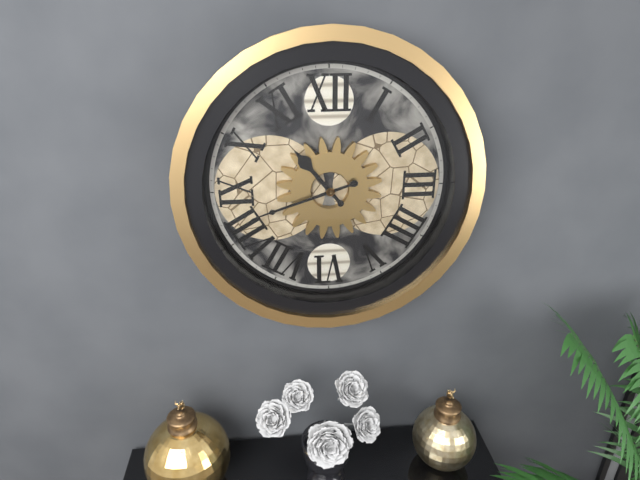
10:42
